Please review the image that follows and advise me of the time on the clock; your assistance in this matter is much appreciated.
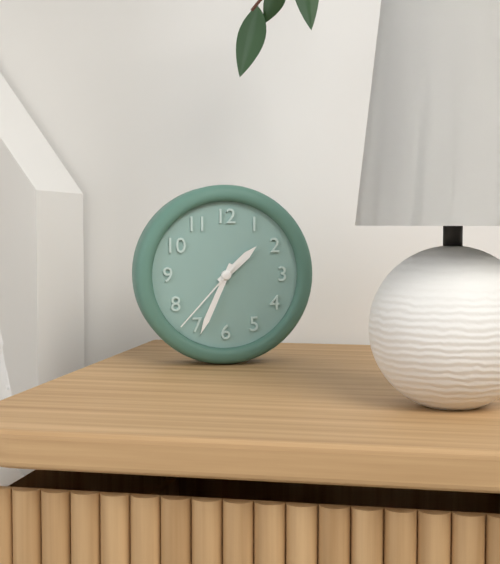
1:34:37
